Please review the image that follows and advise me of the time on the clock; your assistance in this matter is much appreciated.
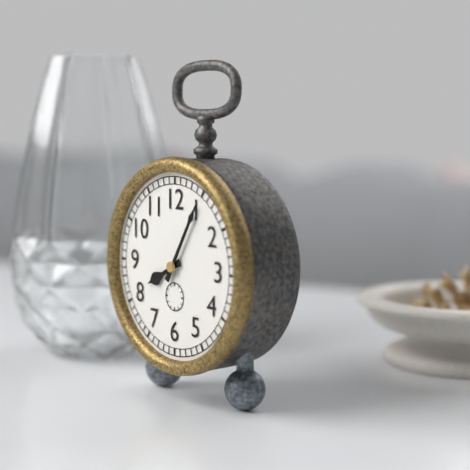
8:05
